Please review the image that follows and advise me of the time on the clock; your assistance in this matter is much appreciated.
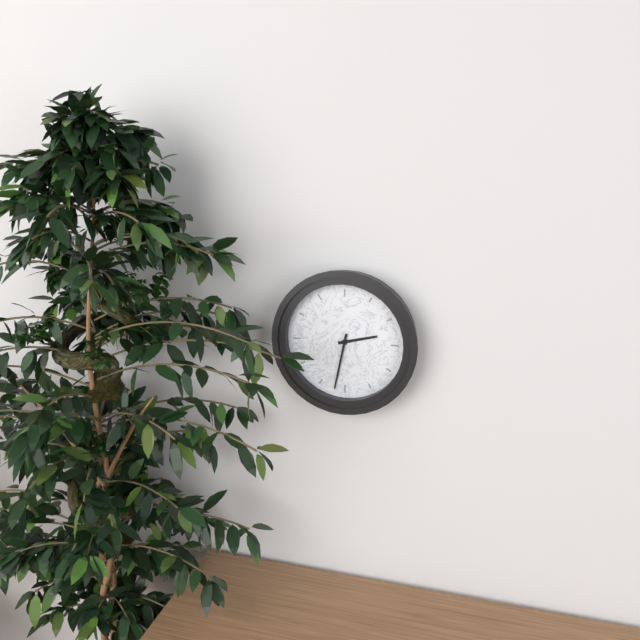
2:32
